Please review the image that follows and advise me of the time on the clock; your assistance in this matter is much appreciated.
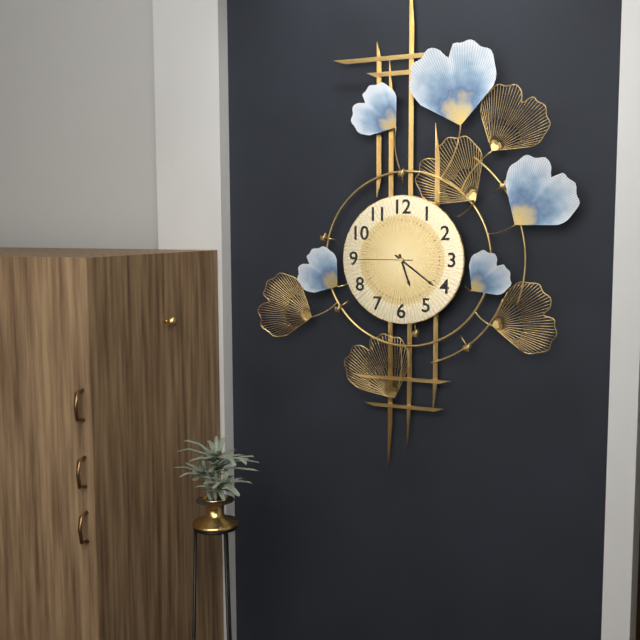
5:21:45
